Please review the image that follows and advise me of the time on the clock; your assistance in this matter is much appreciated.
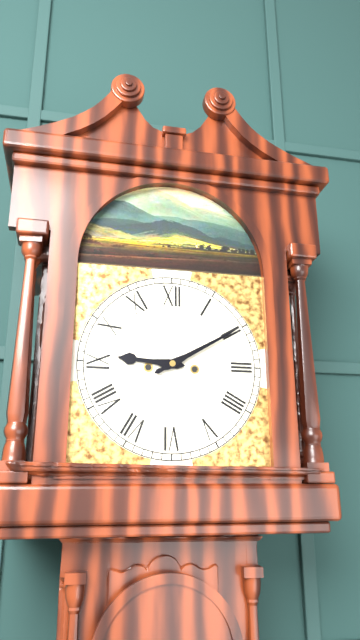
9:10
